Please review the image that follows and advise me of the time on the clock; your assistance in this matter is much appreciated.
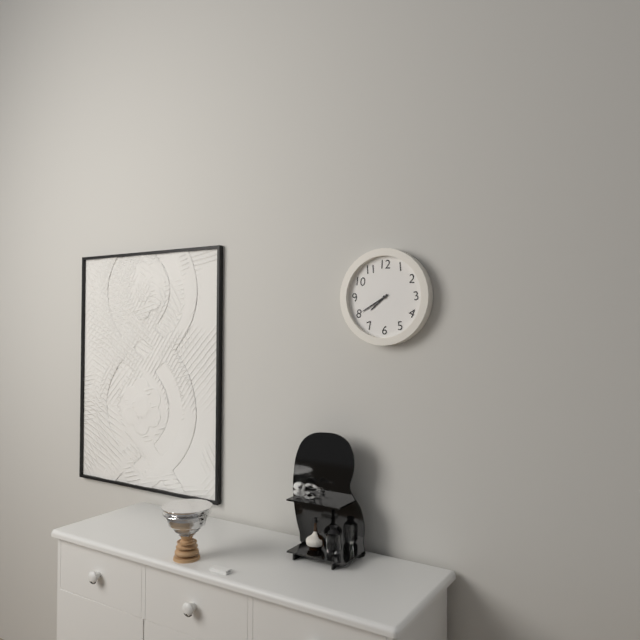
7:40
